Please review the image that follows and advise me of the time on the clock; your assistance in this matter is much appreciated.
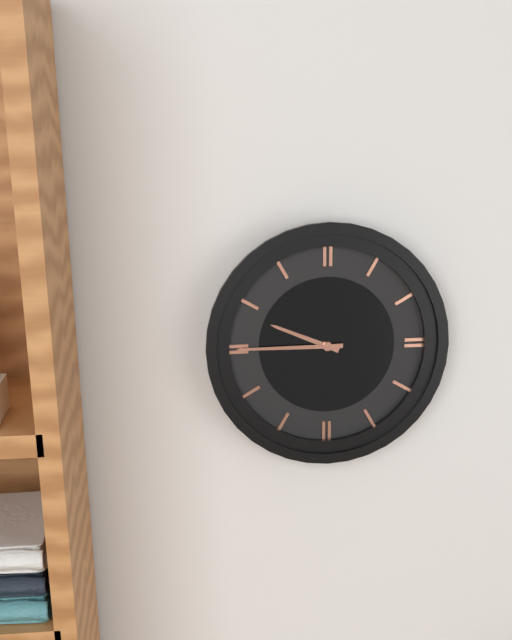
9:45
